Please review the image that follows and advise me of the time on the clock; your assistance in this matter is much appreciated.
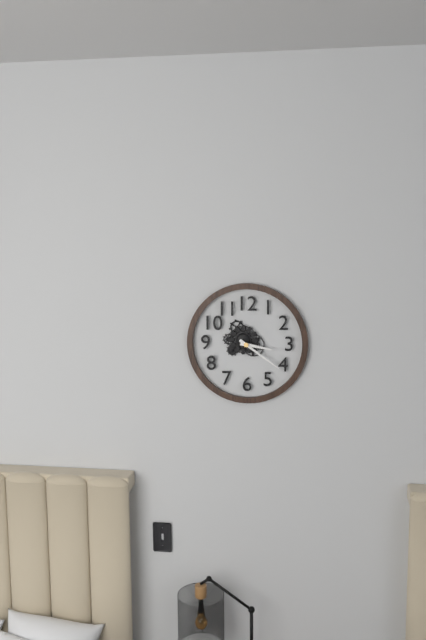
3:21
